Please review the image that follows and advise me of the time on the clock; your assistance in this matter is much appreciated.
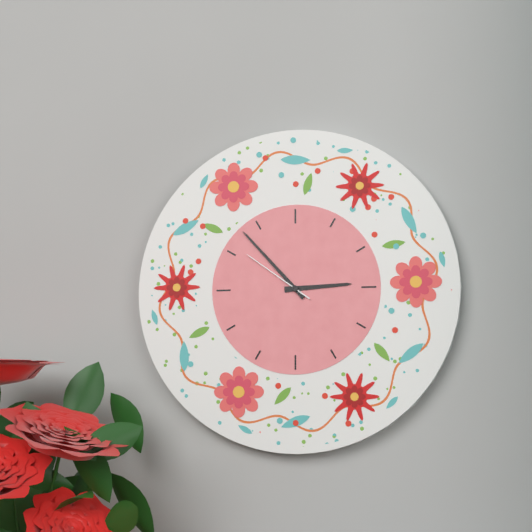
2:53:51
